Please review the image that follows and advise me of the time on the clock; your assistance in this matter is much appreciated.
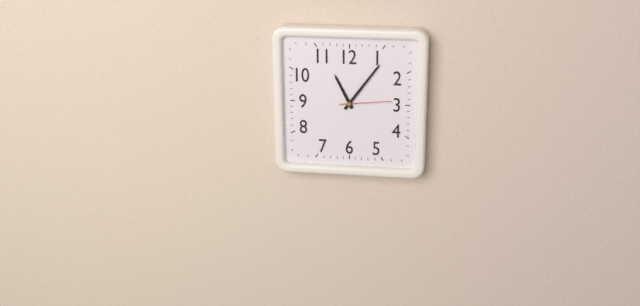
11:06:14
